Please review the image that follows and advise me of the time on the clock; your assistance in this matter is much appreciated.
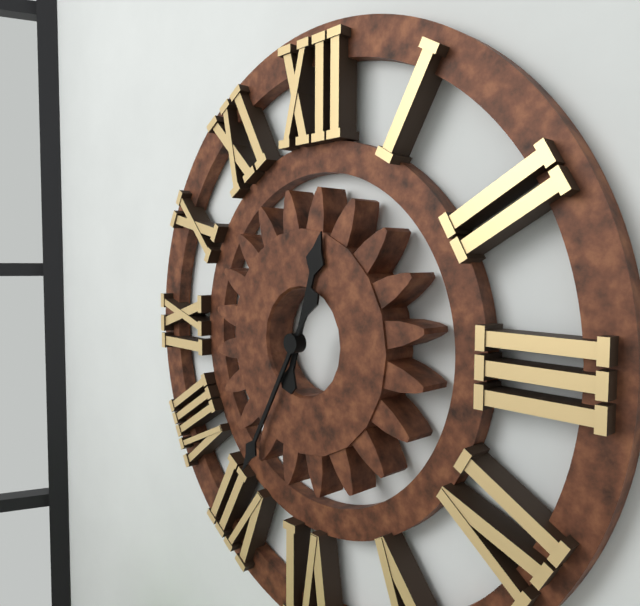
12:35
